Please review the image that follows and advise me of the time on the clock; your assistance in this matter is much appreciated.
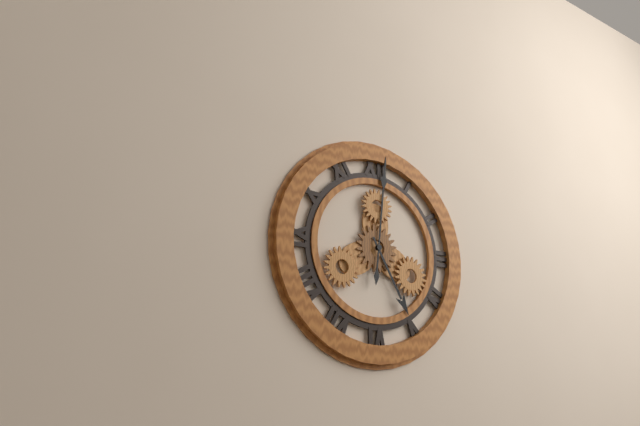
5:01
